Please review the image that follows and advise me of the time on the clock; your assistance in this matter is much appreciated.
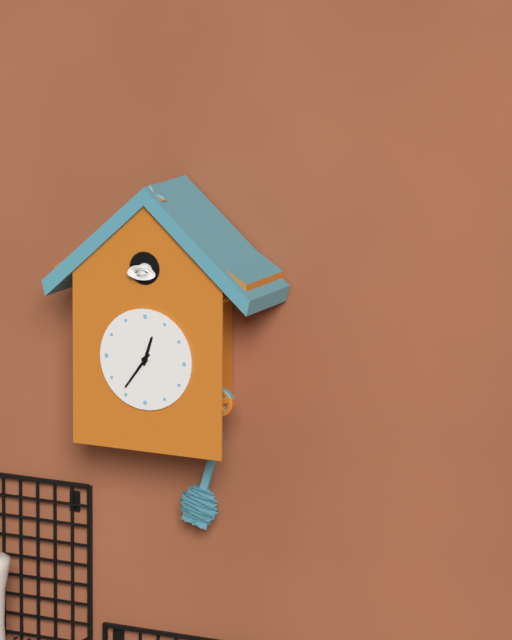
12:36
